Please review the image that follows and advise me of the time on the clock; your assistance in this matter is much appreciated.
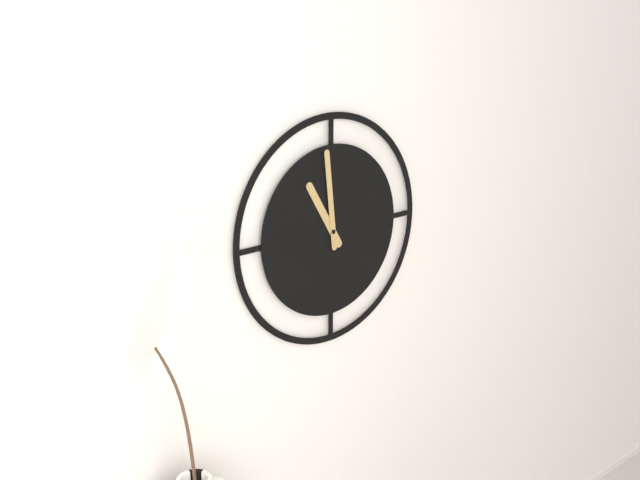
10:59
